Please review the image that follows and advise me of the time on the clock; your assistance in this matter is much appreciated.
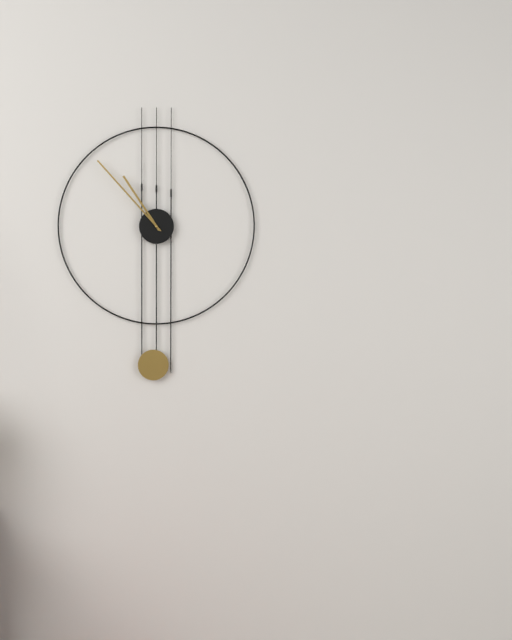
10:53
